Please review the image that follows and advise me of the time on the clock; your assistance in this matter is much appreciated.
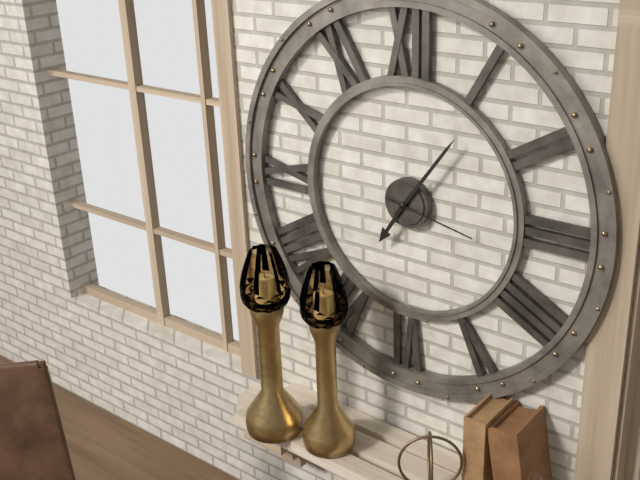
7:06:17
